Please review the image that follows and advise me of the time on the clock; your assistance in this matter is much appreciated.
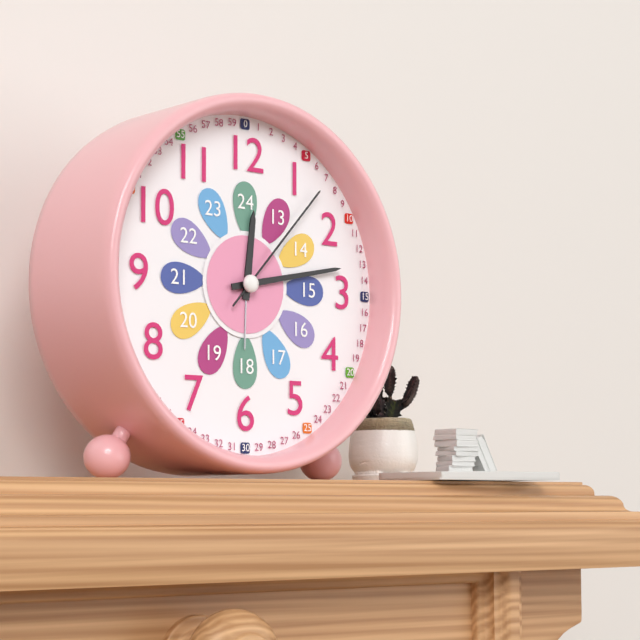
12:13:07
